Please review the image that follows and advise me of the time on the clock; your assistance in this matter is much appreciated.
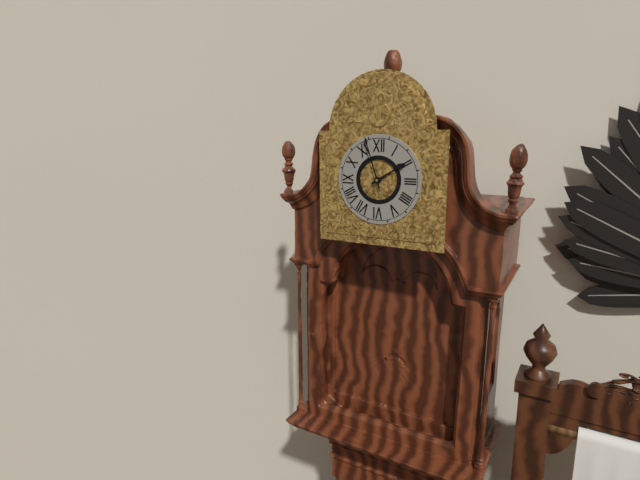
1:57
